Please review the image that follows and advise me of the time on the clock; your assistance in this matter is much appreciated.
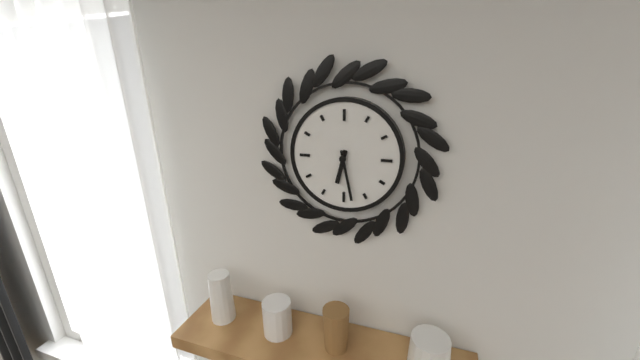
6:28
